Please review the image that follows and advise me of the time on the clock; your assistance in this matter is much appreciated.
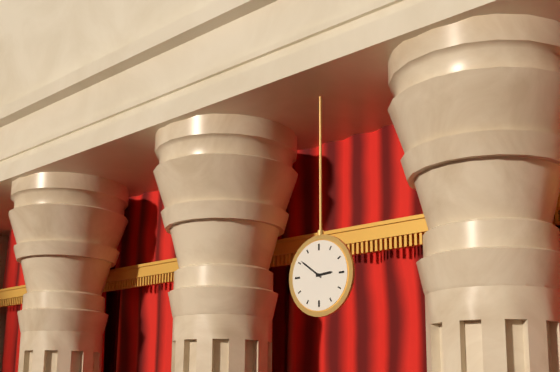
2:51
